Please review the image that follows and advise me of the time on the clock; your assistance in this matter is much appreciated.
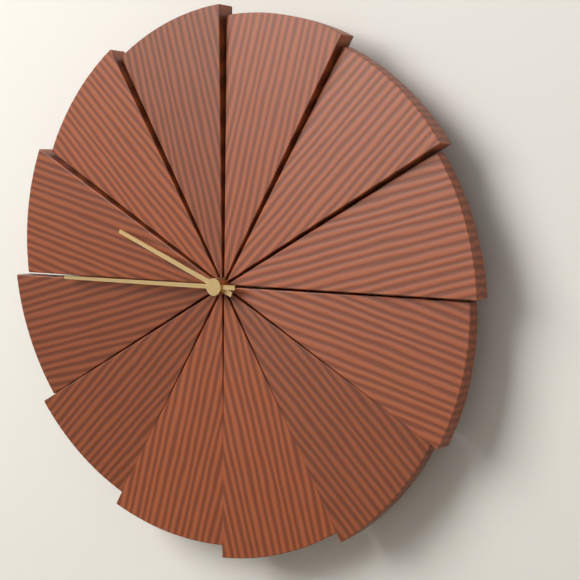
9:45
